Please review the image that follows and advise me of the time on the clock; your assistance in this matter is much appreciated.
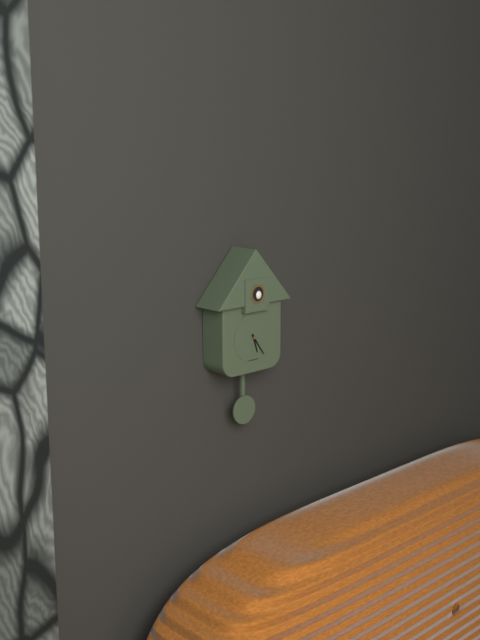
5:24
